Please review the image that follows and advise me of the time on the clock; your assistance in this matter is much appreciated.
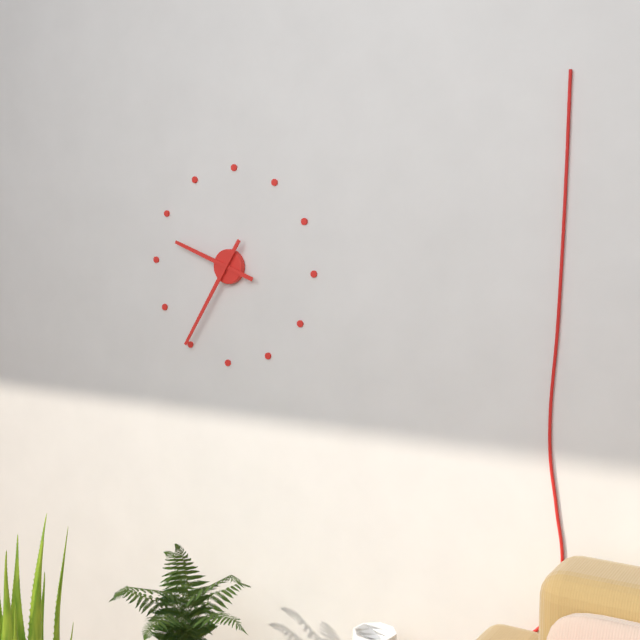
9:35
